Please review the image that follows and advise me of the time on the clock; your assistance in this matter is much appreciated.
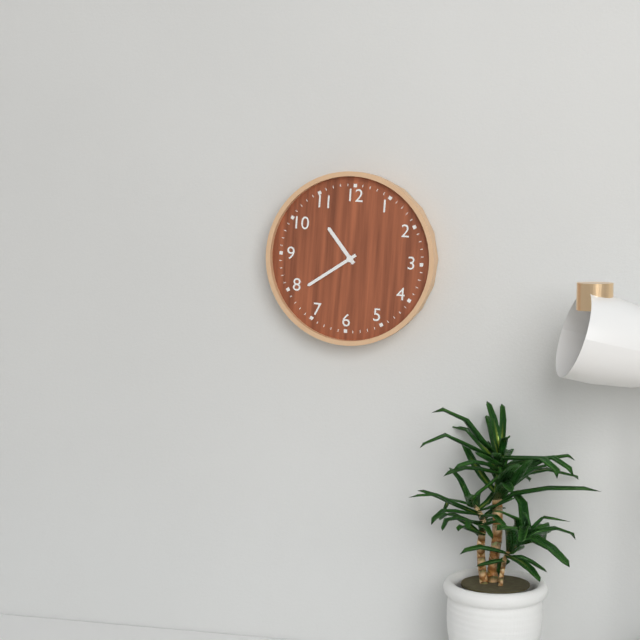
10:39
